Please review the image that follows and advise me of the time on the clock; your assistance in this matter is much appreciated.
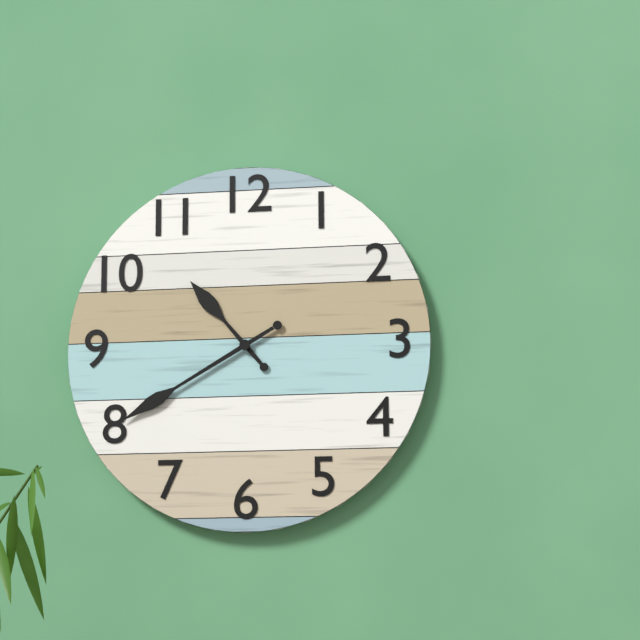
10:40
